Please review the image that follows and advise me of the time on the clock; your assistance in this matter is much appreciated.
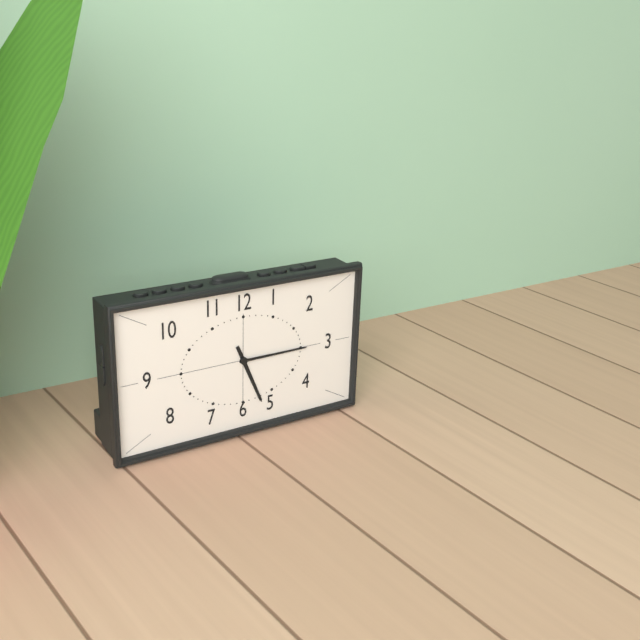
5:15
